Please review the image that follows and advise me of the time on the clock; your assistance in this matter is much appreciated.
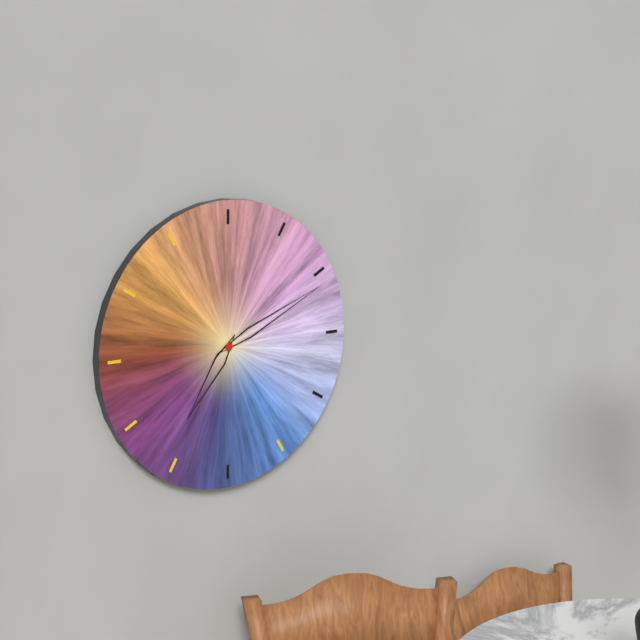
7:11
